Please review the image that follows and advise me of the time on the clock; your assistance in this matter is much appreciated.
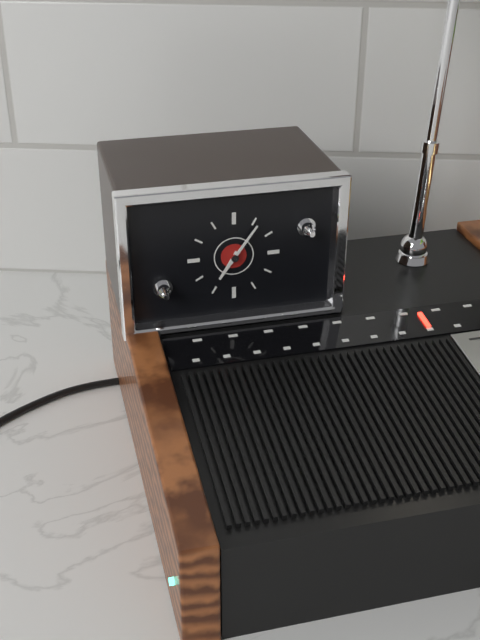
7:06
